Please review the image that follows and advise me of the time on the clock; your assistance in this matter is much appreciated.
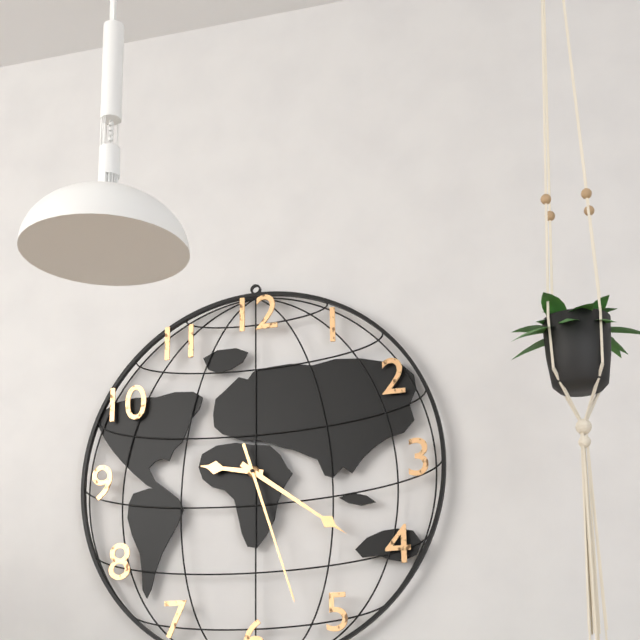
9:21:27
